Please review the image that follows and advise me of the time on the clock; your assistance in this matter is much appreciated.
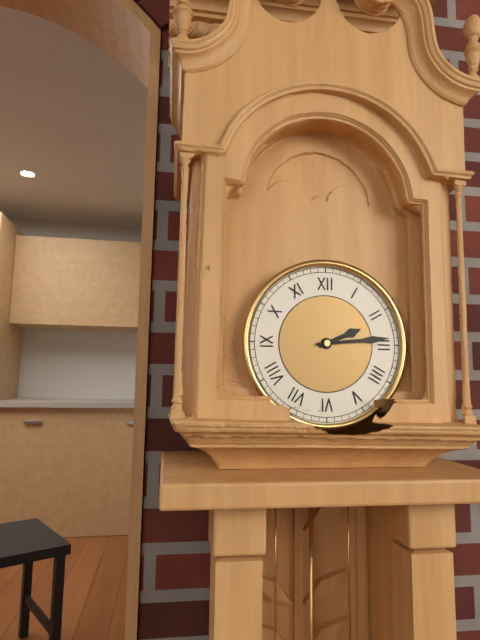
2:14
